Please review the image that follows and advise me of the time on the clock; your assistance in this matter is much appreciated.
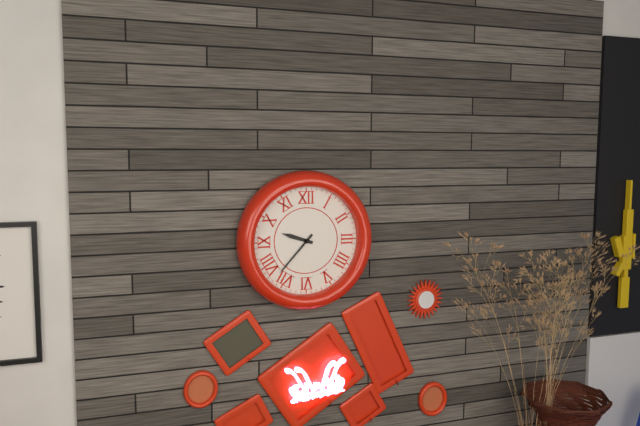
9:37
